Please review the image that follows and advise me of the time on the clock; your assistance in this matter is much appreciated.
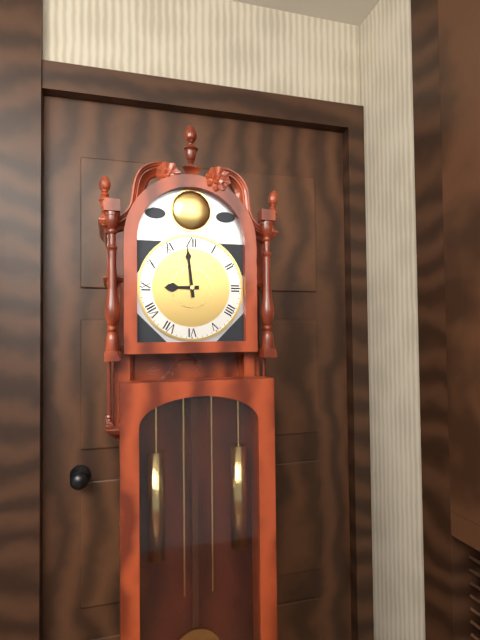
8:59
